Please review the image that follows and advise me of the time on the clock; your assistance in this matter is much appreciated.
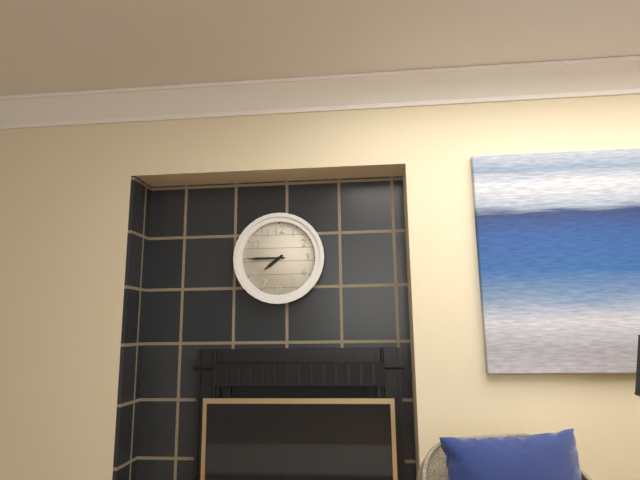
7:45
